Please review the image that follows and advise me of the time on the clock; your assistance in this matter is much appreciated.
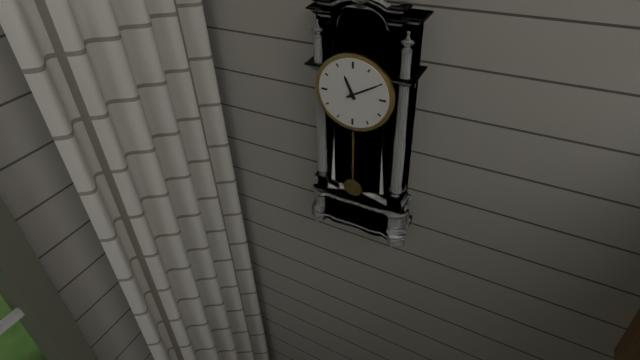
11:10
